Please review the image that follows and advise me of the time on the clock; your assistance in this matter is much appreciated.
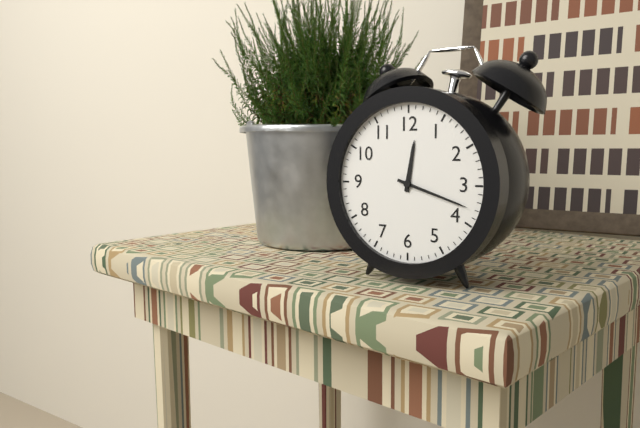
12:18
